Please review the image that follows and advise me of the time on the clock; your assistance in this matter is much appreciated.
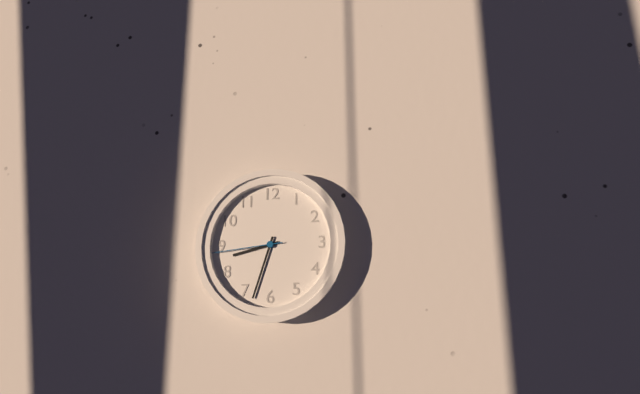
8:33:44
